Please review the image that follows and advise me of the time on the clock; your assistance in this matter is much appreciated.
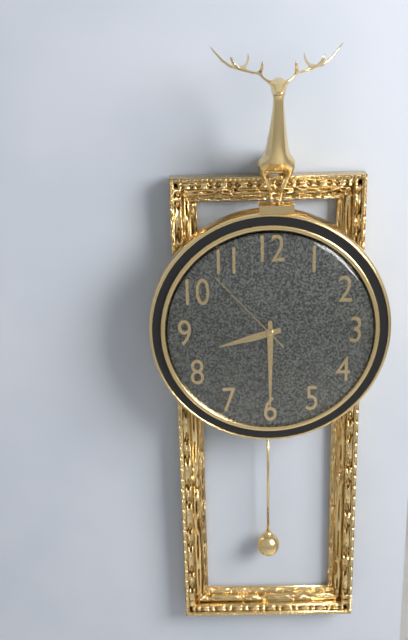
8:30:53
